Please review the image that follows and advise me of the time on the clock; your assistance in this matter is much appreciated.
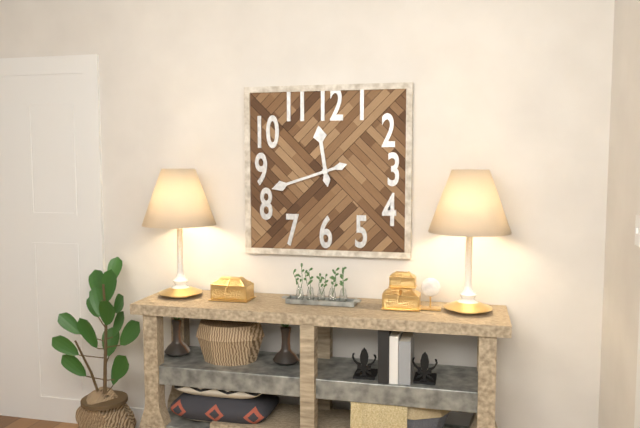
11:42
